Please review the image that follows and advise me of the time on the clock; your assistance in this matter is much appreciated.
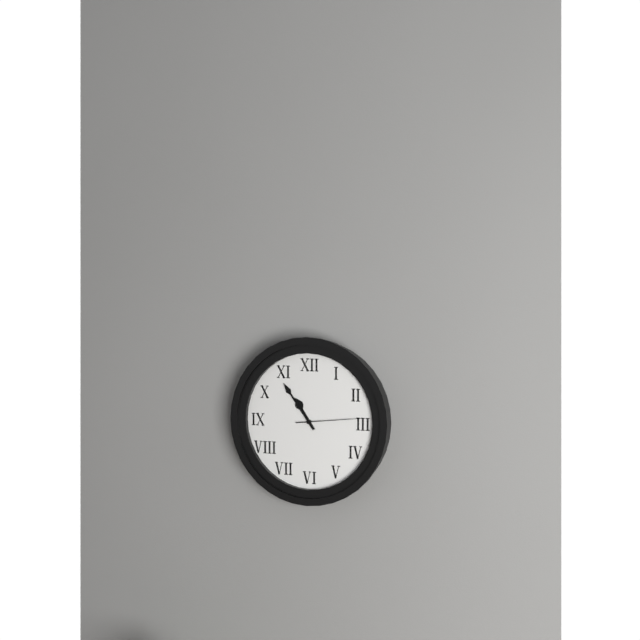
10:54:14
